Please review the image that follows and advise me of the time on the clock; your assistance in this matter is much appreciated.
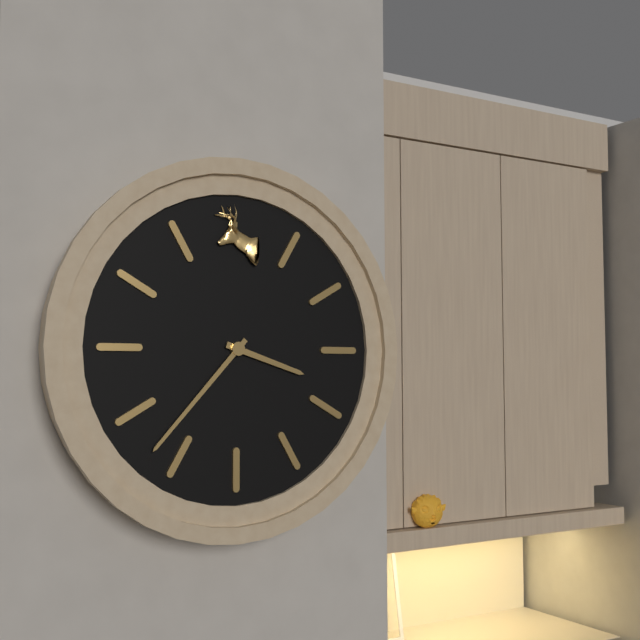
3:37
